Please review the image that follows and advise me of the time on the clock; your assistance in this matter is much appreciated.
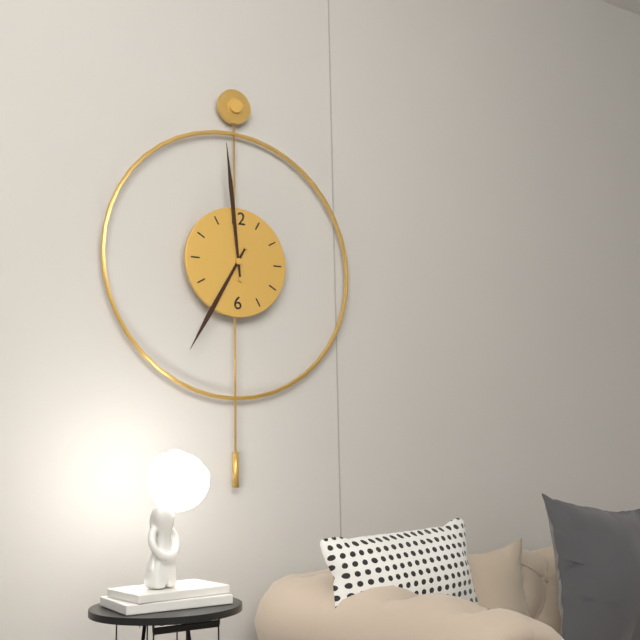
6:59
